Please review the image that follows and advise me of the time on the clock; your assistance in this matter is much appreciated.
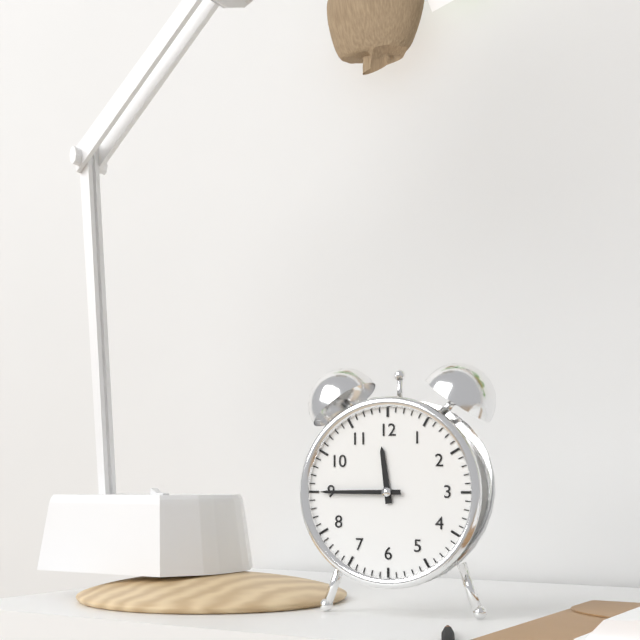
11:45
